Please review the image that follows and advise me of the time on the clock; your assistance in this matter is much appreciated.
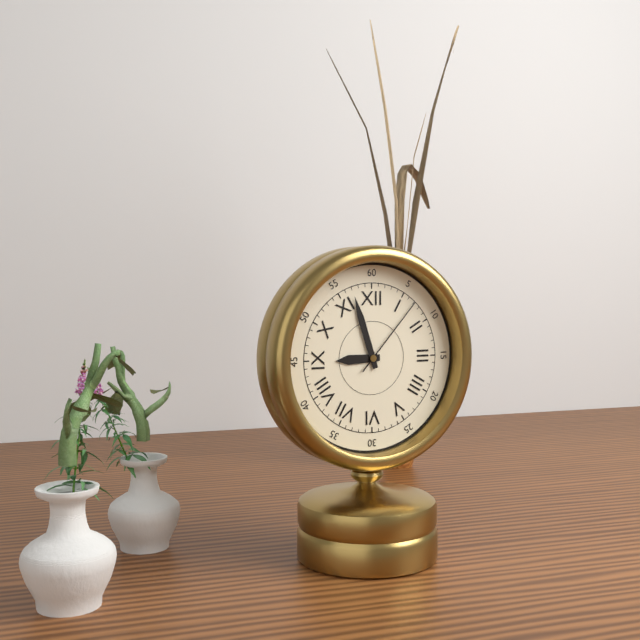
8:57:07
